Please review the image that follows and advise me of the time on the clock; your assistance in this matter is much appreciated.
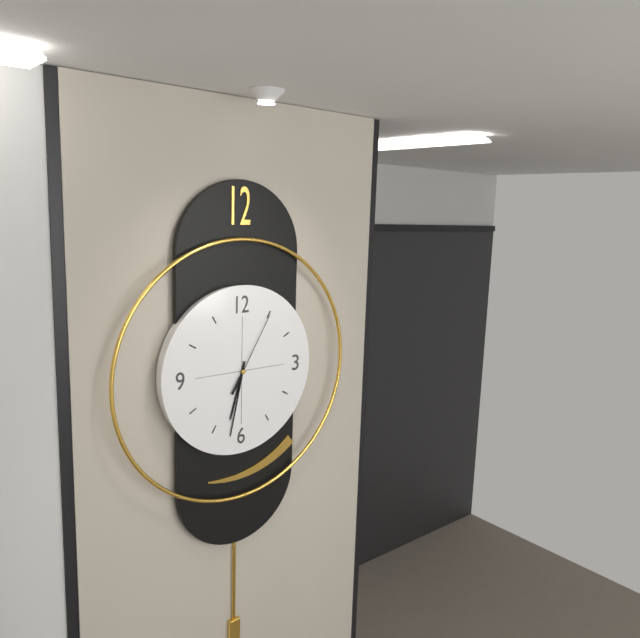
6:32:05
